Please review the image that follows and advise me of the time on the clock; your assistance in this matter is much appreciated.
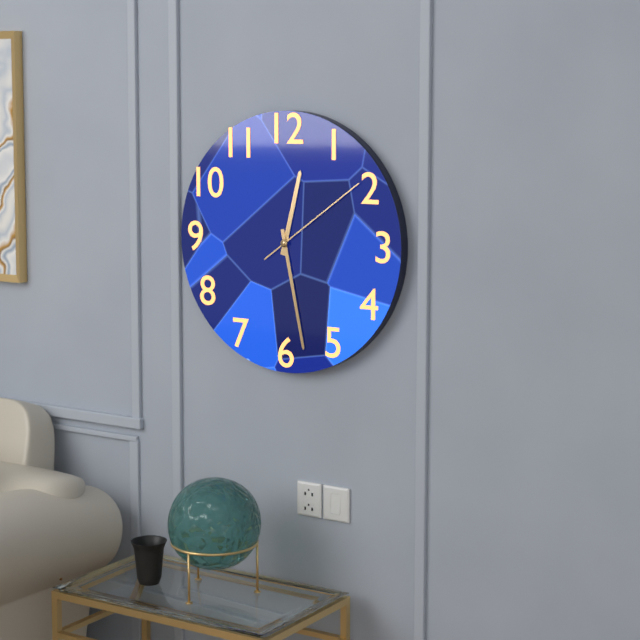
12:28:09
